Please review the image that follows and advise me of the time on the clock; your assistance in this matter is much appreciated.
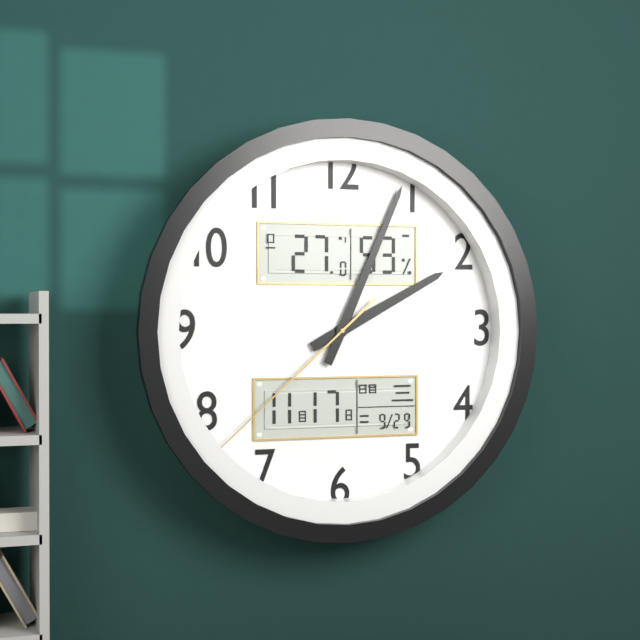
2:04:38
